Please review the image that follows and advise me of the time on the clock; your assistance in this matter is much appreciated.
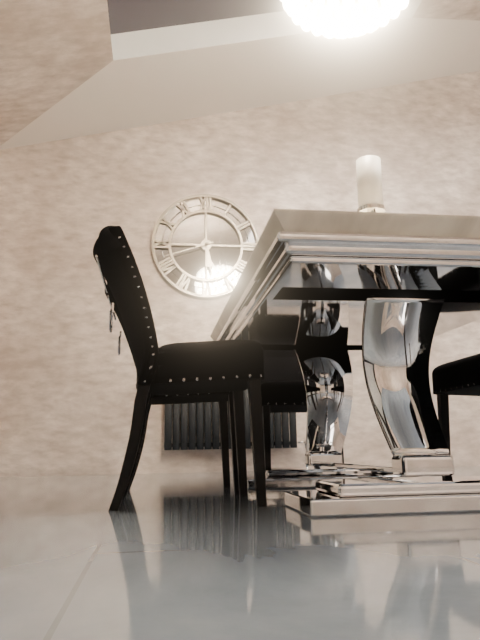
5:42
